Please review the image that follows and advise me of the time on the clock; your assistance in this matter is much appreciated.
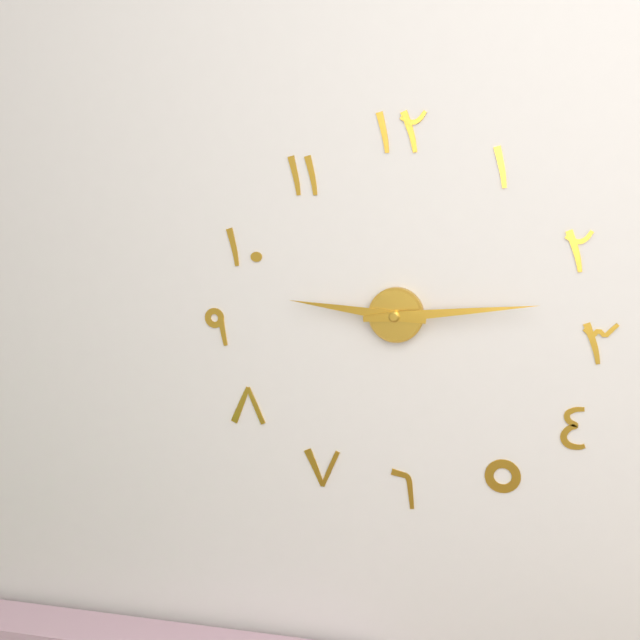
9:14
